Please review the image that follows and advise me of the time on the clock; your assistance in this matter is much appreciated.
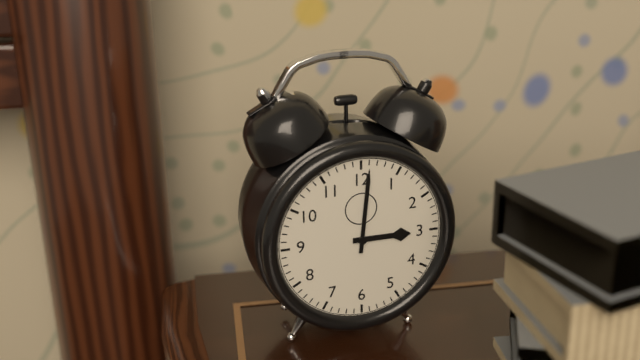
3:01
